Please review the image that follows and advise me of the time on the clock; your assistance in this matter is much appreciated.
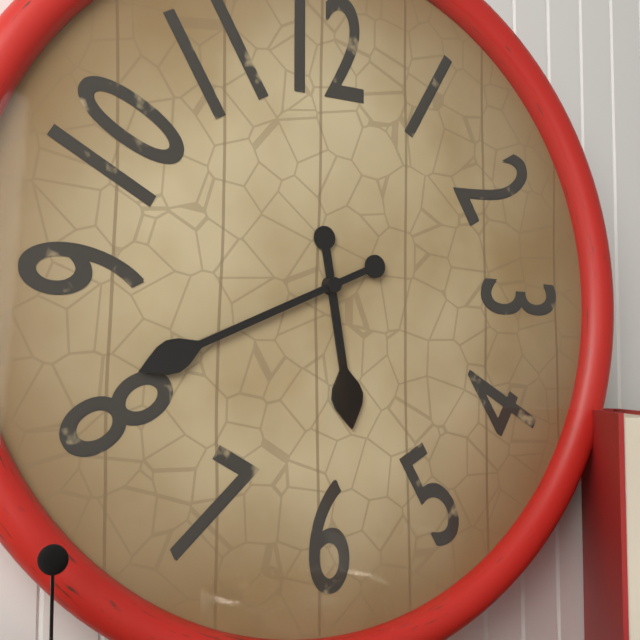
5:41
